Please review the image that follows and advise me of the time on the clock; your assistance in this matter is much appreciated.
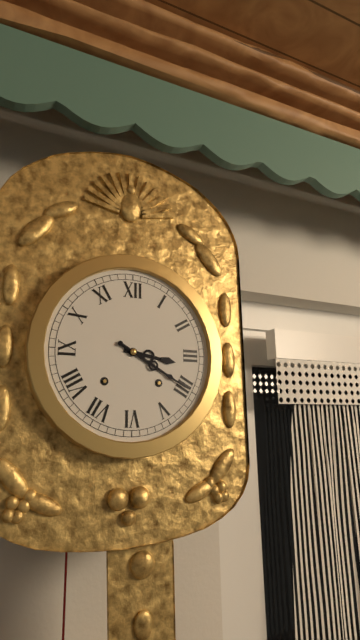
3:20
